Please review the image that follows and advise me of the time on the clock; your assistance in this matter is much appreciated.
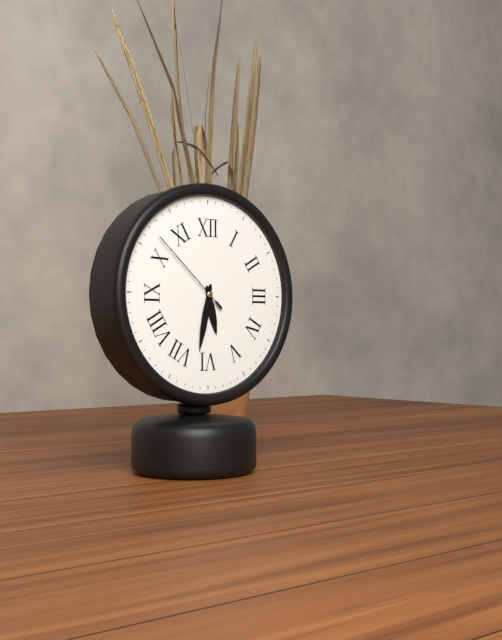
5:32:52
